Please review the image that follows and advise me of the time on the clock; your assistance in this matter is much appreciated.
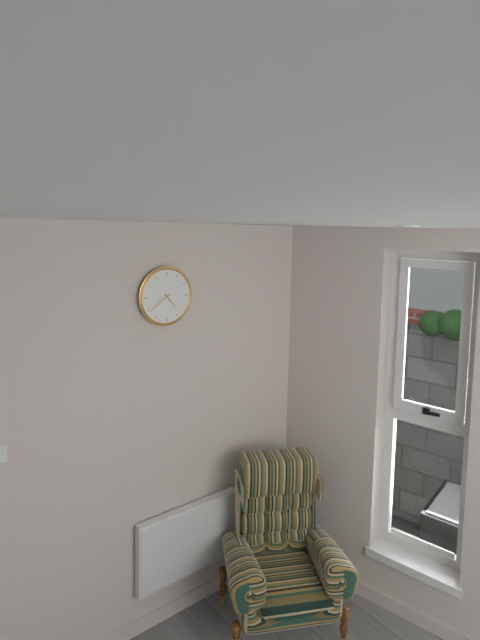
4:39
